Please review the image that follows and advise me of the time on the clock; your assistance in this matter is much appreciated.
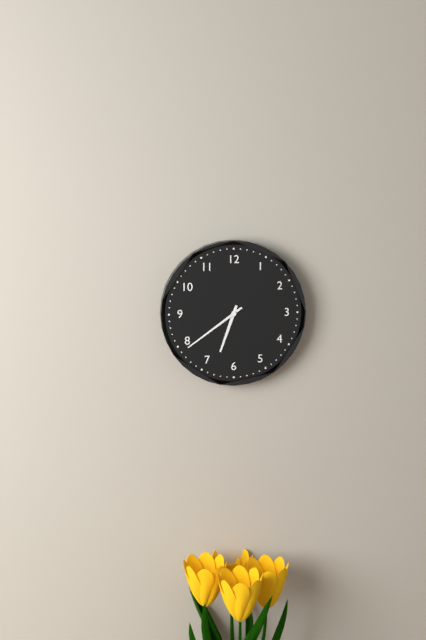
6:39
